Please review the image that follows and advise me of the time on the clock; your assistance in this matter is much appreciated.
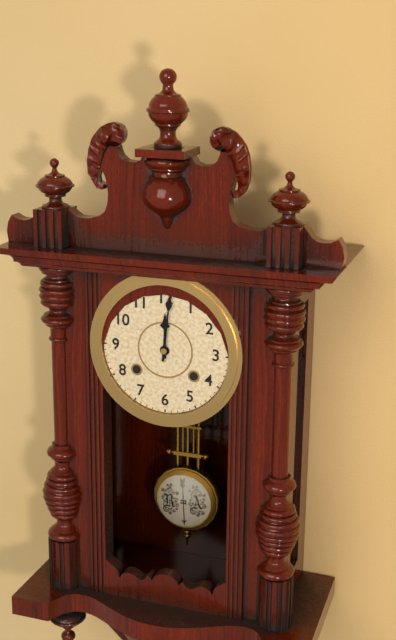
12:01
